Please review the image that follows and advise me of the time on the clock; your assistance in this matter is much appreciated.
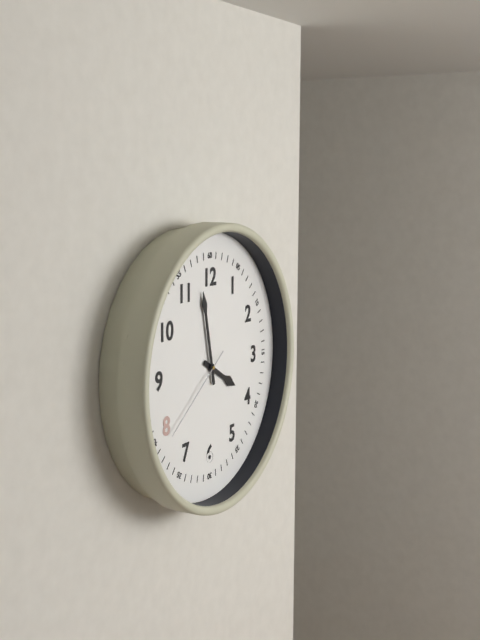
3:58:39
